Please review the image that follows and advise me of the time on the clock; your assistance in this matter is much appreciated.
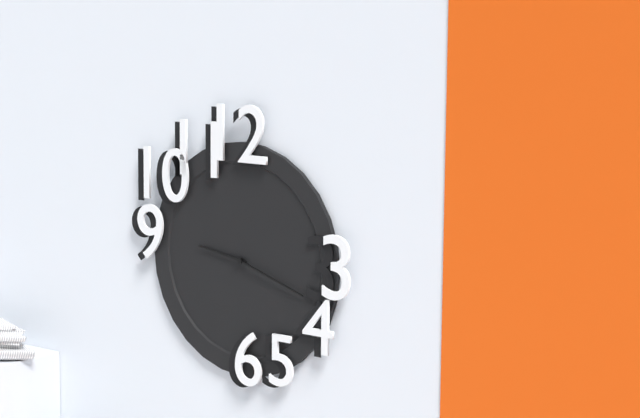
9:18
